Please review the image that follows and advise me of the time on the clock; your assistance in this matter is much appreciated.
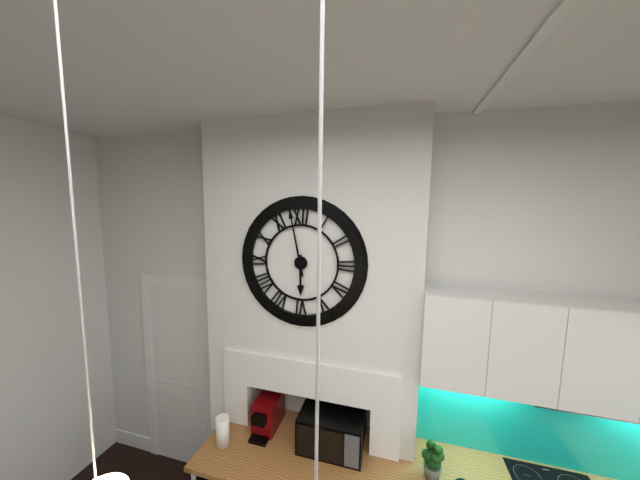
5:58
